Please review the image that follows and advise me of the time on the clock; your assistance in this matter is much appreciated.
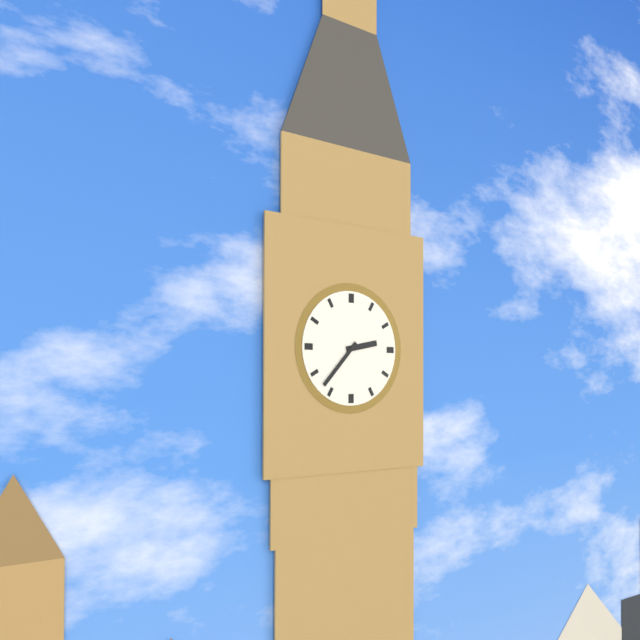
2:37
